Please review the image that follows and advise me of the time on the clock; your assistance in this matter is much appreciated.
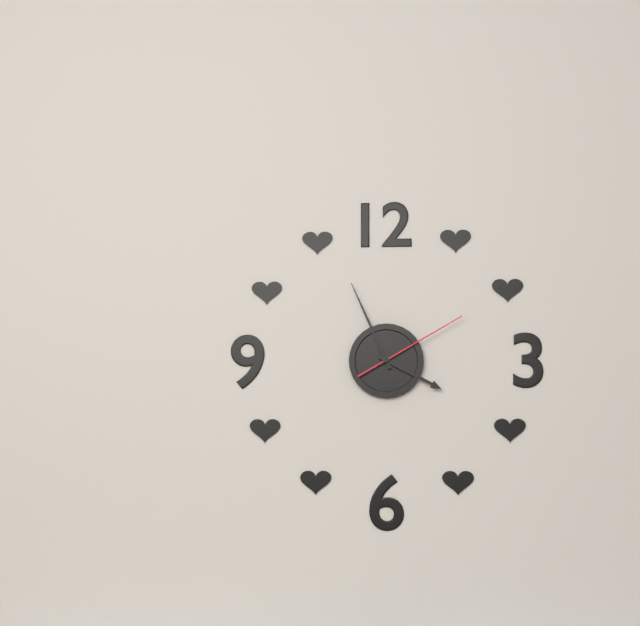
3:56:10
